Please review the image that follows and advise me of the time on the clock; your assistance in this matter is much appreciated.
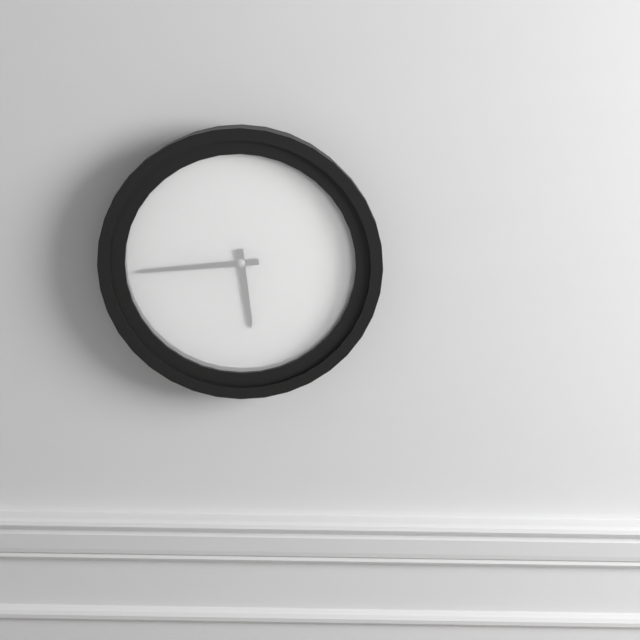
5:44
